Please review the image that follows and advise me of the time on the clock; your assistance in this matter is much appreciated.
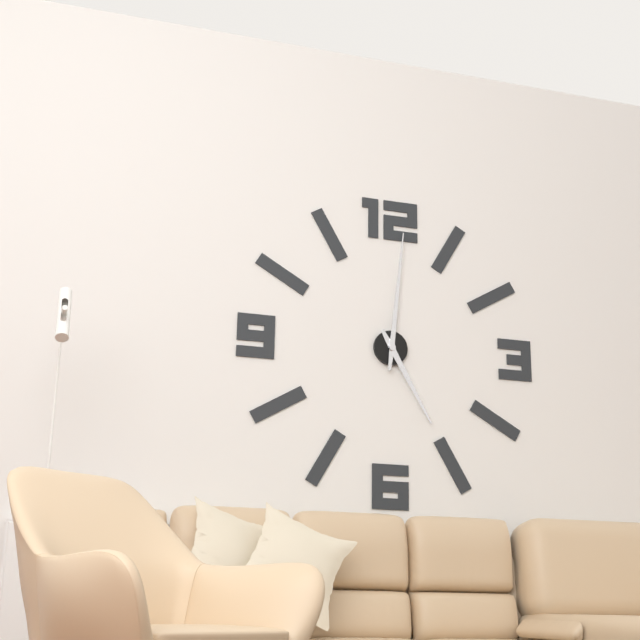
5:01
